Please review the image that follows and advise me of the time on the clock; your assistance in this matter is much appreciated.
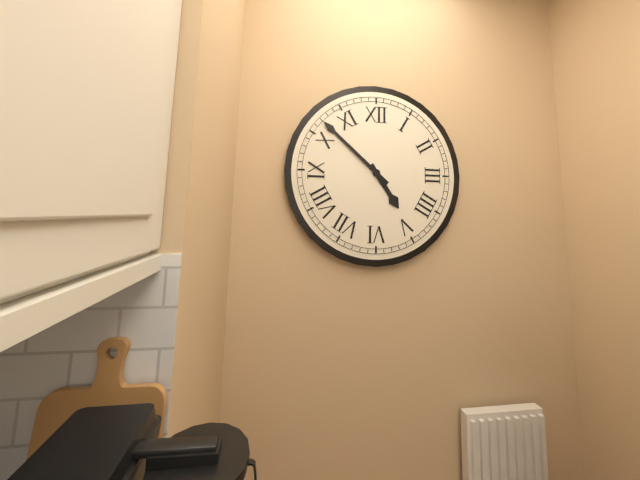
4:52
